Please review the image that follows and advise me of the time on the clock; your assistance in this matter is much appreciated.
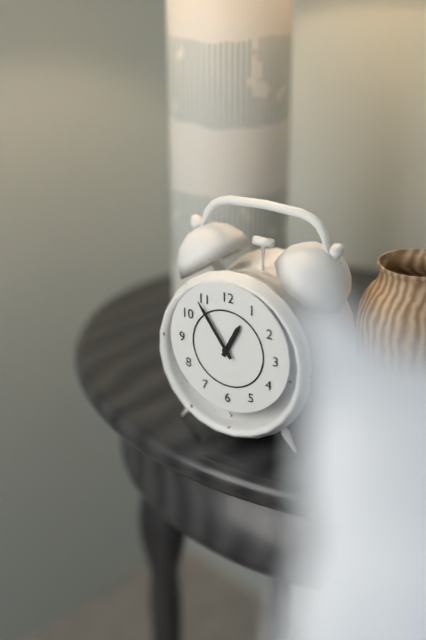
12:54
